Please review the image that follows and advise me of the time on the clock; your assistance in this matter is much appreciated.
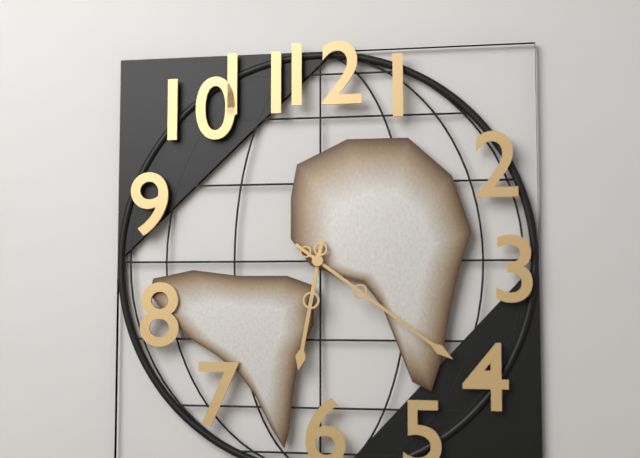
6:21
